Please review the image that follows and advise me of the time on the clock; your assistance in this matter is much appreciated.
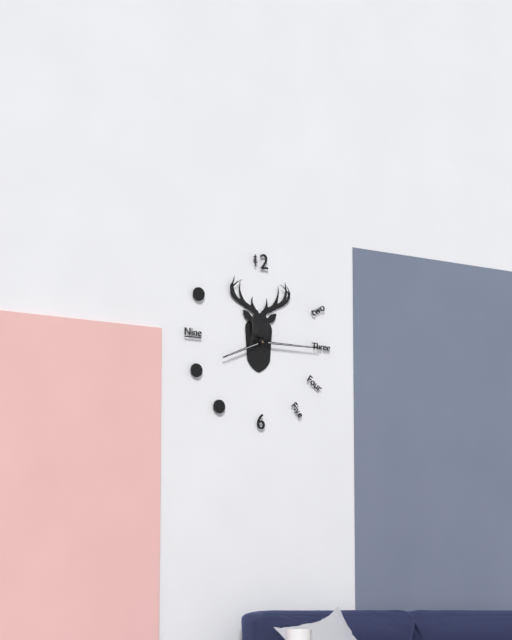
8:15
